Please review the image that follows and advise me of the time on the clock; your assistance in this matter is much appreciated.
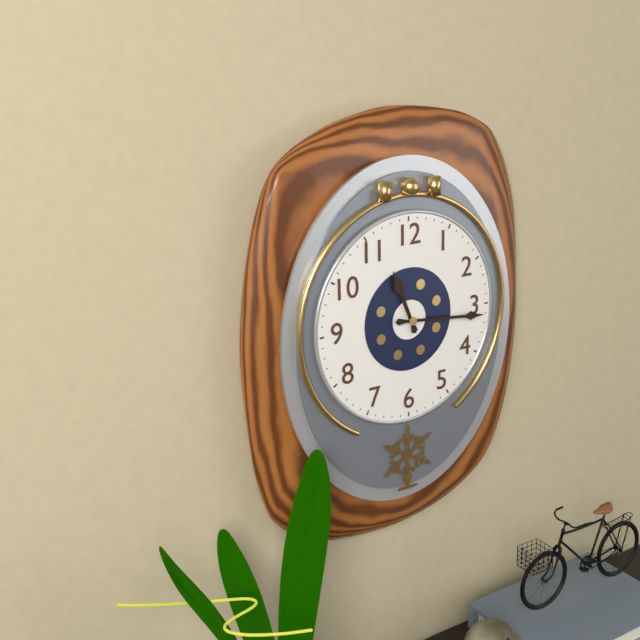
11:16
